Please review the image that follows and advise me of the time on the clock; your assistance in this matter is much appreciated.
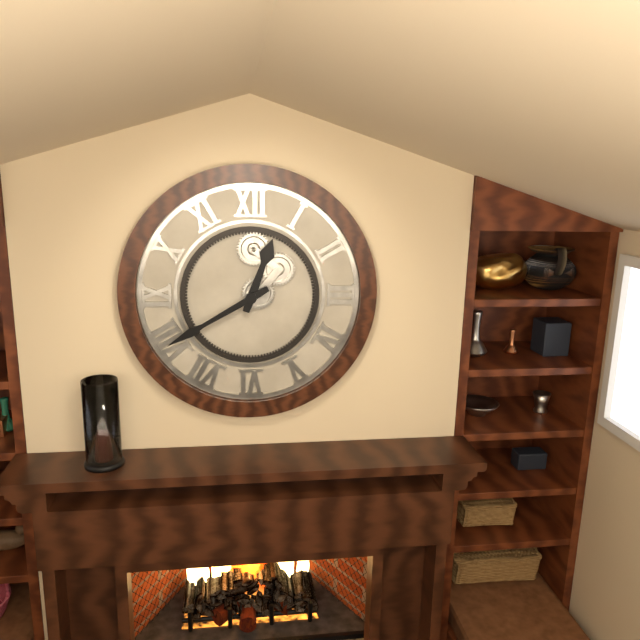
12:40
